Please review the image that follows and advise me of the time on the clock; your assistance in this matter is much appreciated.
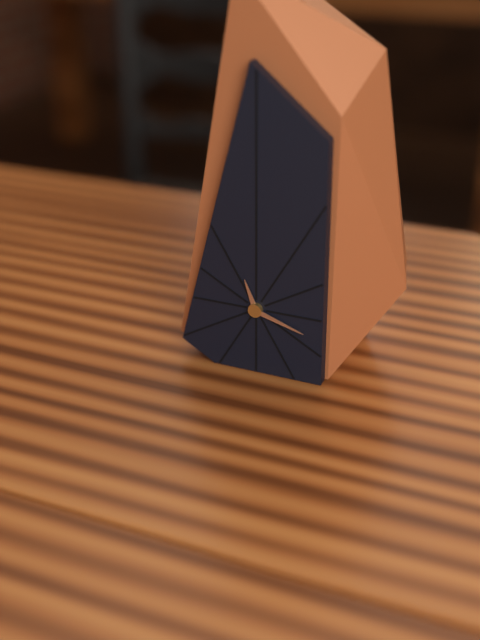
11:18
